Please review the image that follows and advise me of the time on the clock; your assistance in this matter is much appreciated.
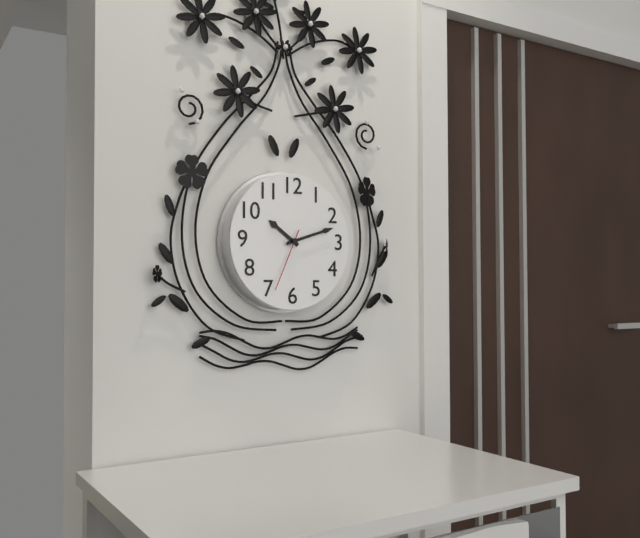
10:12:34
